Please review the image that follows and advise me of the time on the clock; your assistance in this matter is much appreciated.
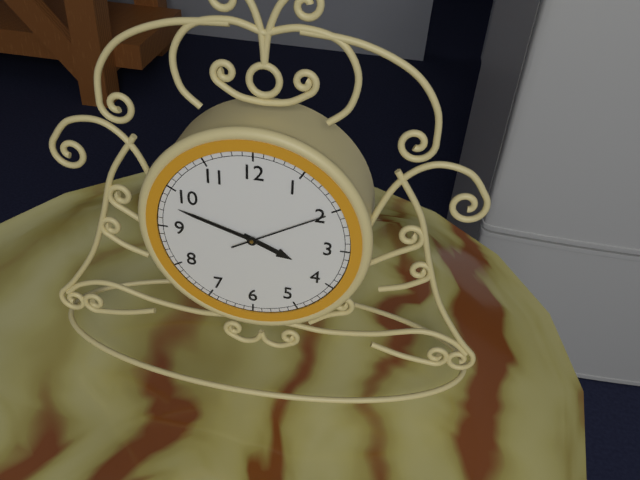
3:48:10
